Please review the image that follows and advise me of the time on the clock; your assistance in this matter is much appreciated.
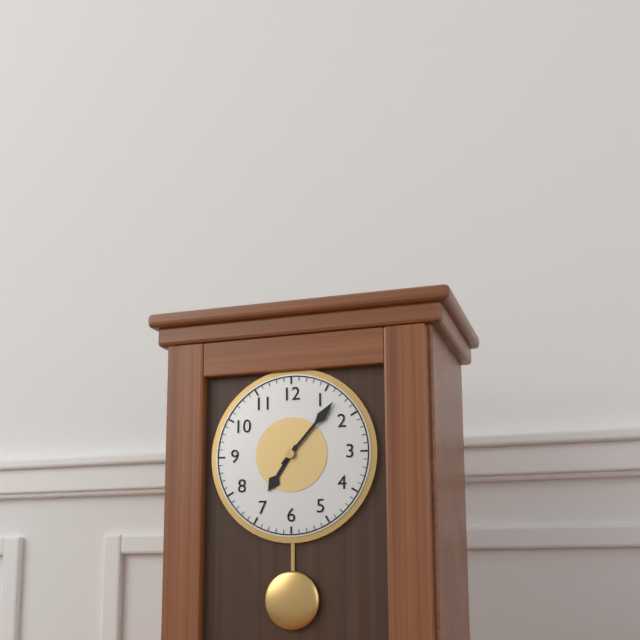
7:07
